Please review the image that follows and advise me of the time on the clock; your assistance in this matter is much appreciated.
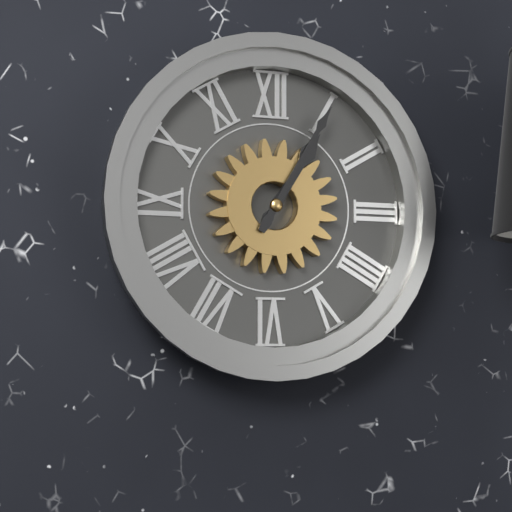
1:05
